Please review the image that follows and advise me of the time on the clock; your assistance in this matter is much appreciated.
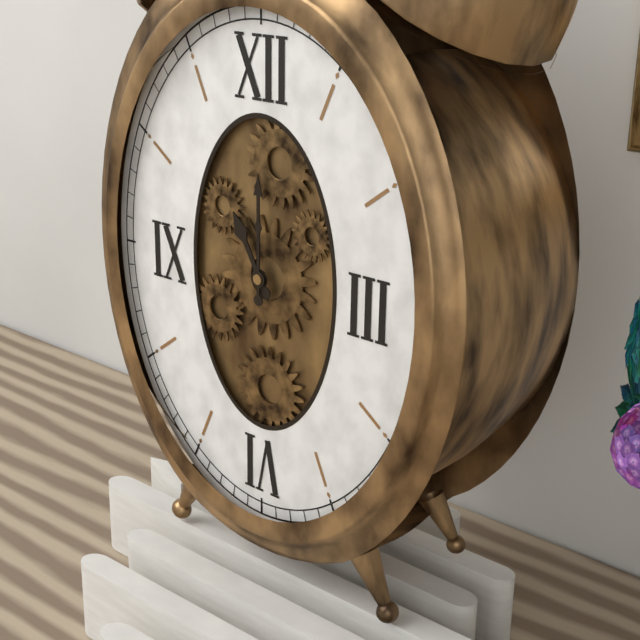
11:00
